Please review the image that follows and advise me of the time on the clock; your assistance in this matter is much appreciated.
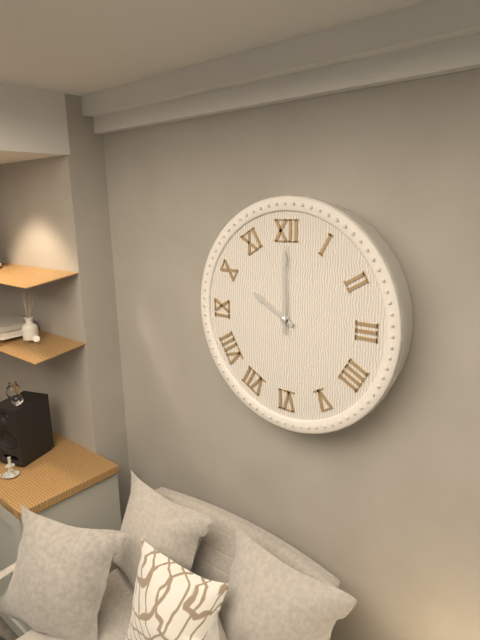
10:00
